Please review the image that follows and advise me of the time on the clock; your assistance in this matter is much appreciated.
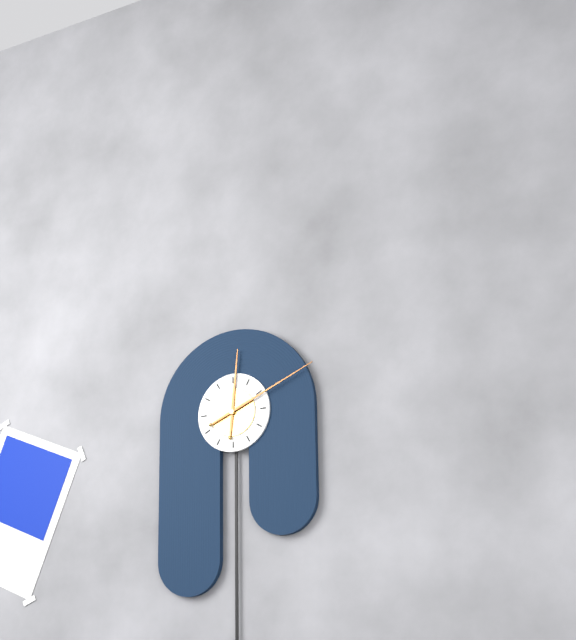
12:11
